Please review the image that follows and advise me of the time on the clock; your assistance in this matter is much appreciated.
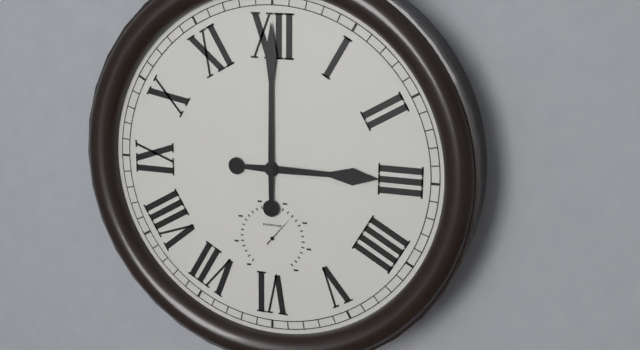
3:00
